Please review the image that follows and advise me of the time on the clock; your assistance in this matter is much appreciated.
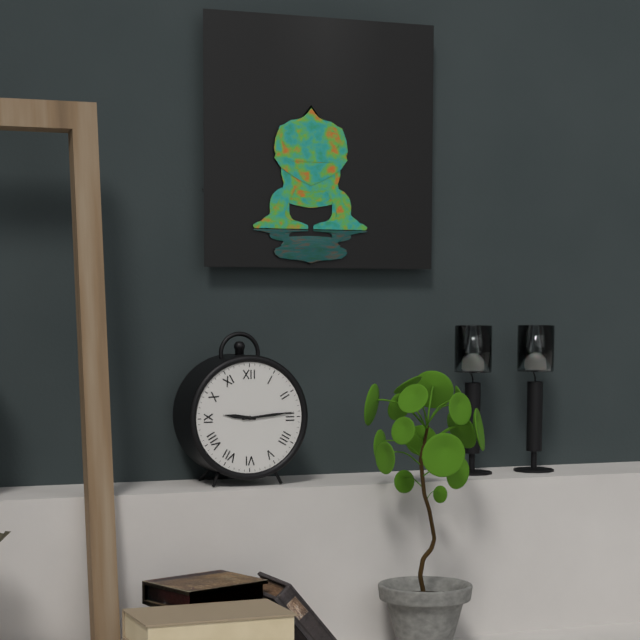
9:14
